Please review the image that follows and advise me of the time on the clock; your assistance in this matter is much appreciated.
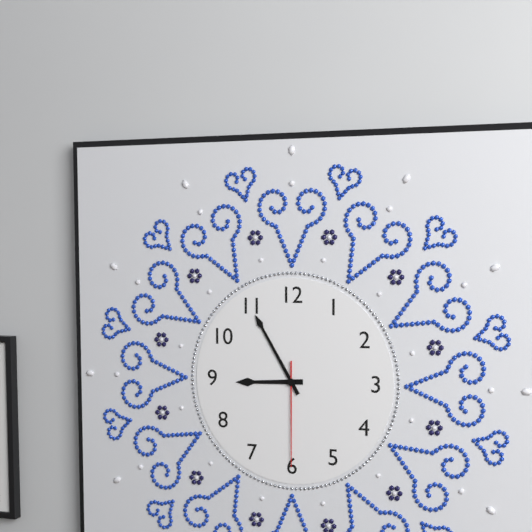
8:55:30
